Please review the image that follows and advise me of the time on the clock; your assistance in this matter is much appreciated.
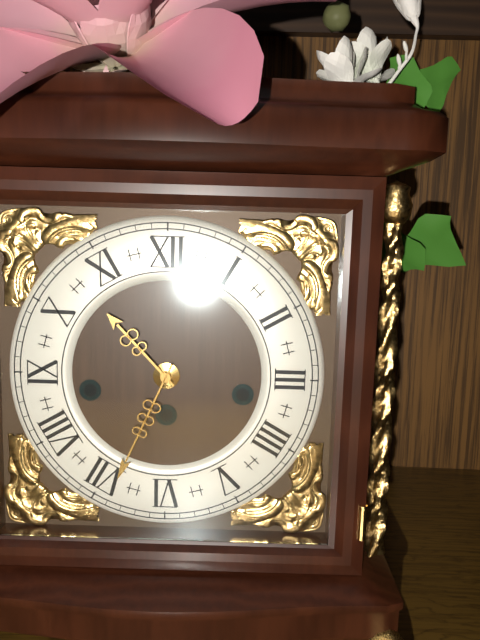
10:34
